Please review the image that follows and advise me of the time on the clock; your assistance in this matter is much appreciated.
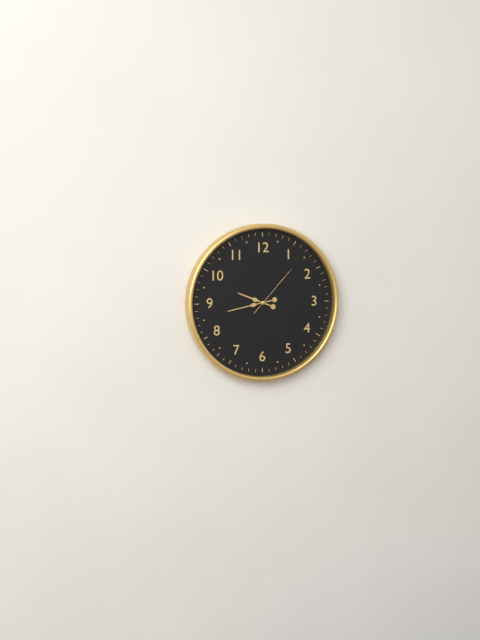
9:43:07
